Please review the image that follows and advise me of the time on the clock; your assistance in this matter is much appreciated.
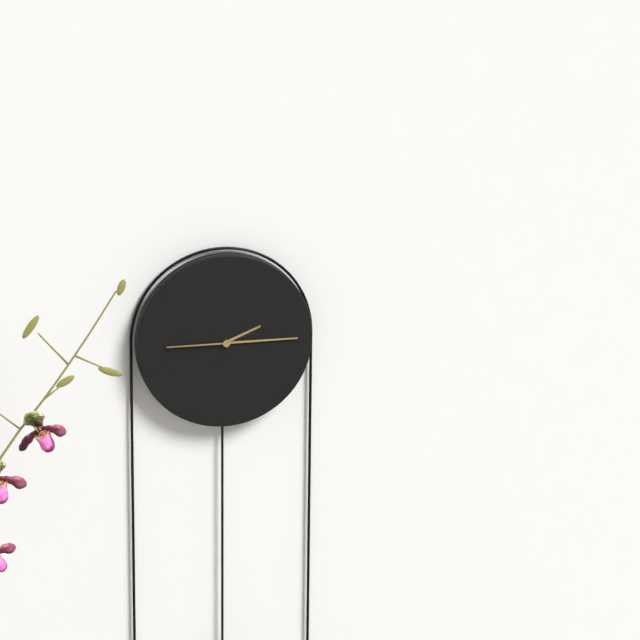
2:15:45
